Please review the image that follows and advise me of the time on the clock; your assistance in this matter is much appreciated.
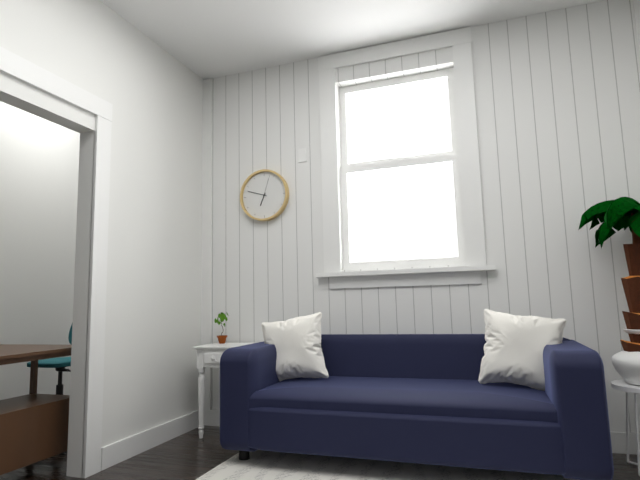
6:48
